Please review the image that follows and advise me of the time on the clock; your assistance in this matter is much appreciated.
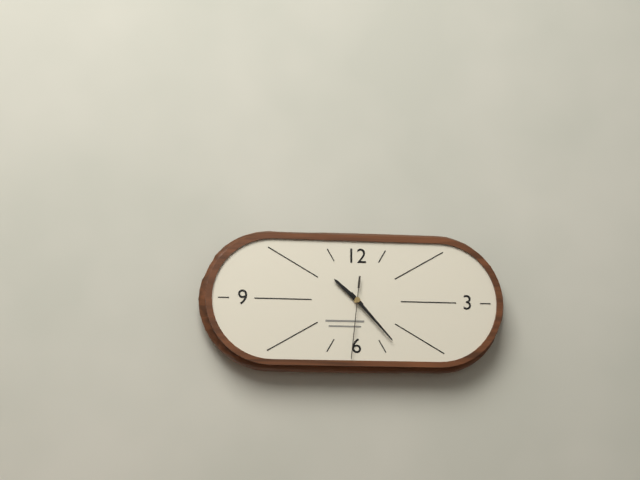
10:23:31
